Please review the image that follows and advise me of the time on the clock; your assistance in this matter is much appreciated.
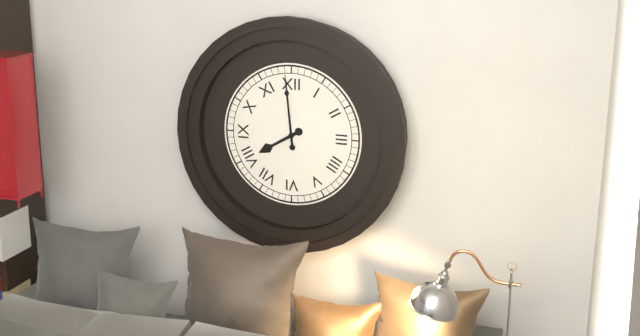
7:59
